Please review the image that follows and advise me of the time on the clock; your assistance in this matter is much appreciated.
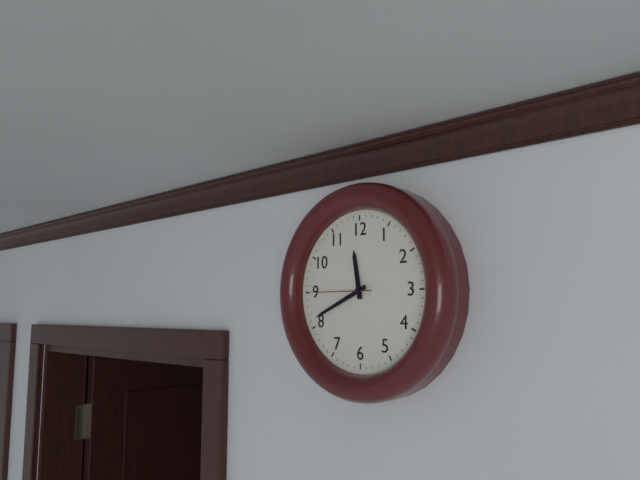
11:41:45
